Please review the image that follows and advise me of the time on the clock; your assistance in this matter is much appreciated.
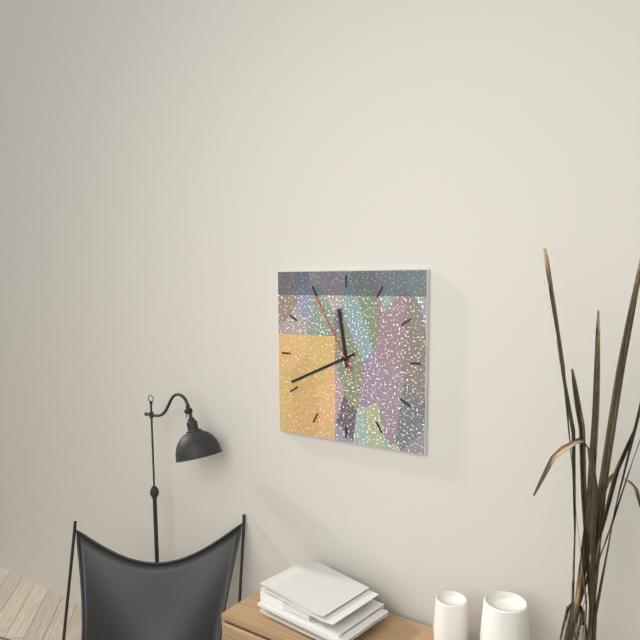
11:41:55
